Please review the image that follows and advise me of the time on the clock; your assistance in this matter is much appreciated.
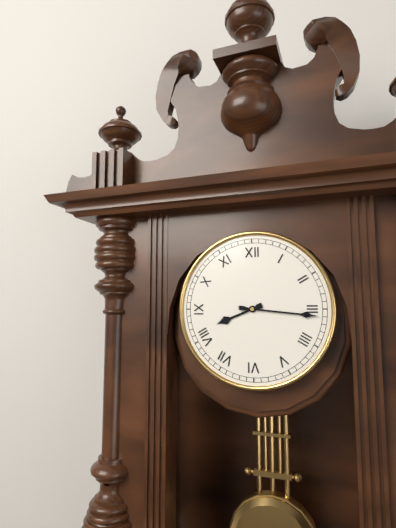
8:16
